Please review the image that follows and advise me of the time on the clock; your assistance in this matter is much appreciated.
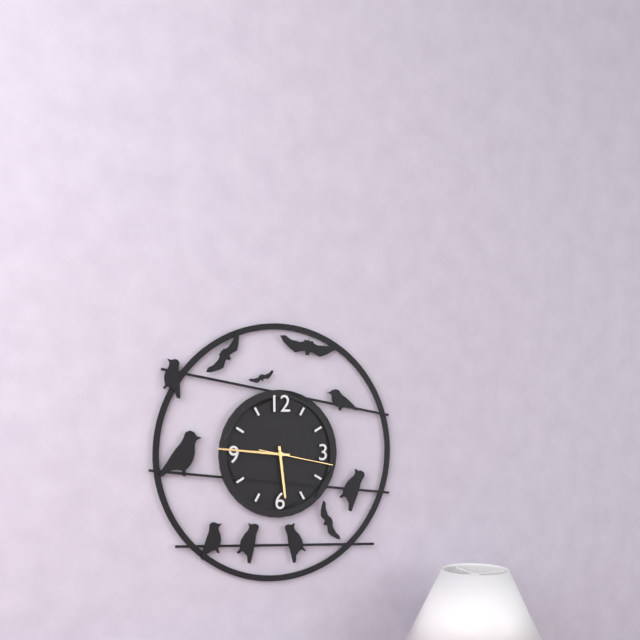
5:46:17
